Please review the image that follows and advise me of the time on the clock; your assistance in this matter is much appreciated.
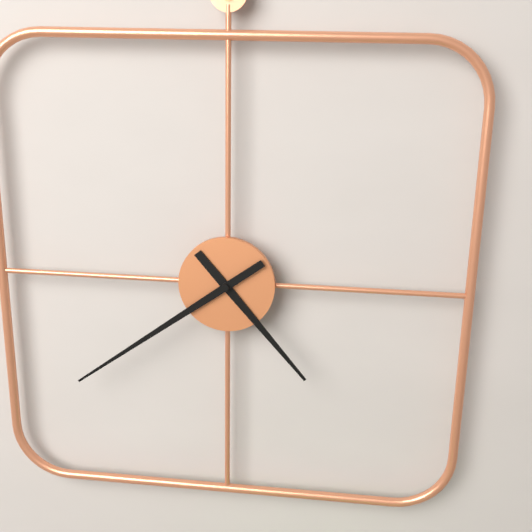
4:39
